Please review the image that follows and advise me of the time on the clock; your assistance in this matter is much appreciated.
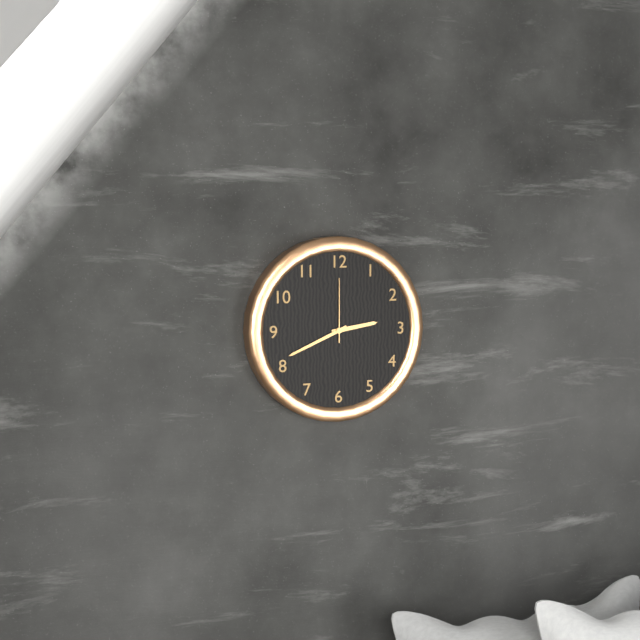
2:41:00
